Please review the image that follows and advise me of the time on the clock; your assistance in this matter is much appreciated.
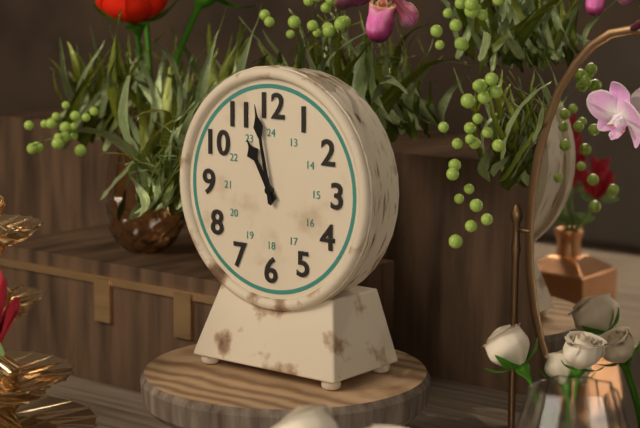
10:58
